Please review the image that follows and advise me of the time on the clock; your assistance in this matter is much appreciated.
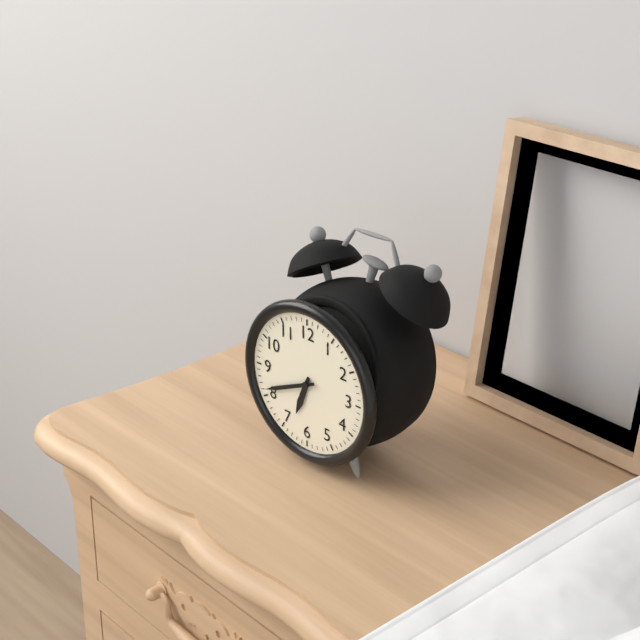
6:41
